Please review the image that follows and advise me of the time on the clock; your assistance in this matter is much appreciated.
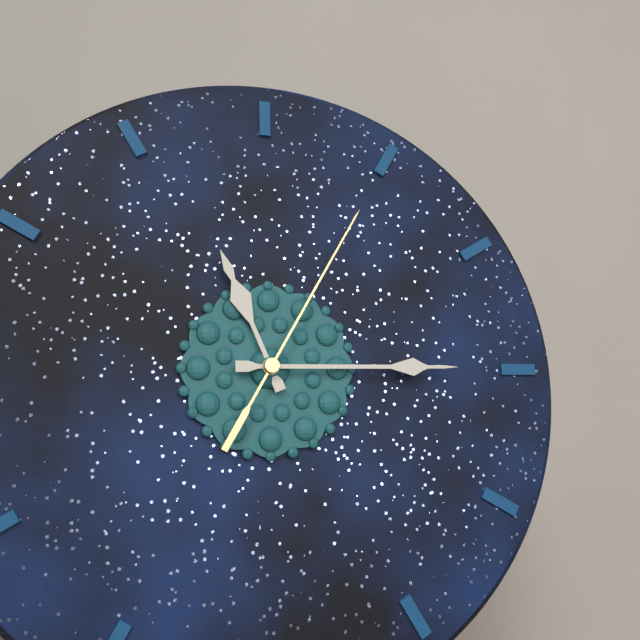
11:15:05
